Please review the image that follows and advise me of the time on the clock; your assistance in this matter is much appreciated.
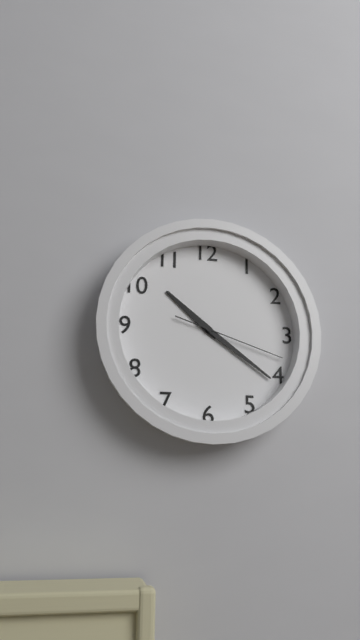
10:21:18
